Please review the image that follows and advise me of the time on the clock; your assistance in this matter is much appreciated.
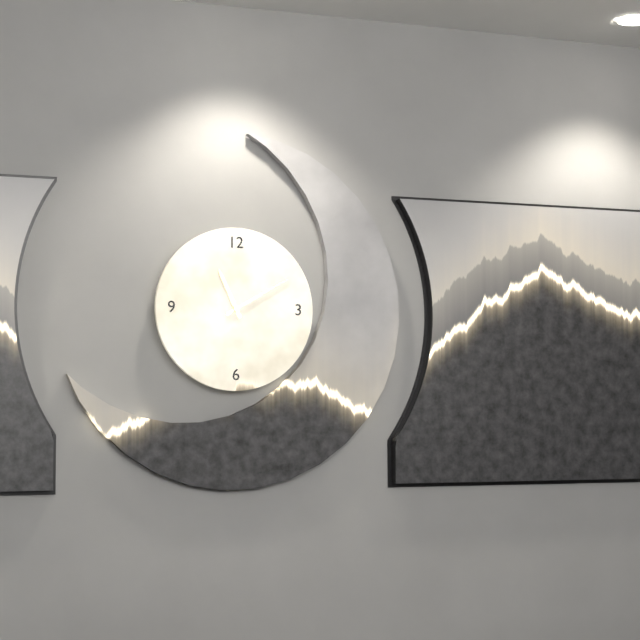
11:10
